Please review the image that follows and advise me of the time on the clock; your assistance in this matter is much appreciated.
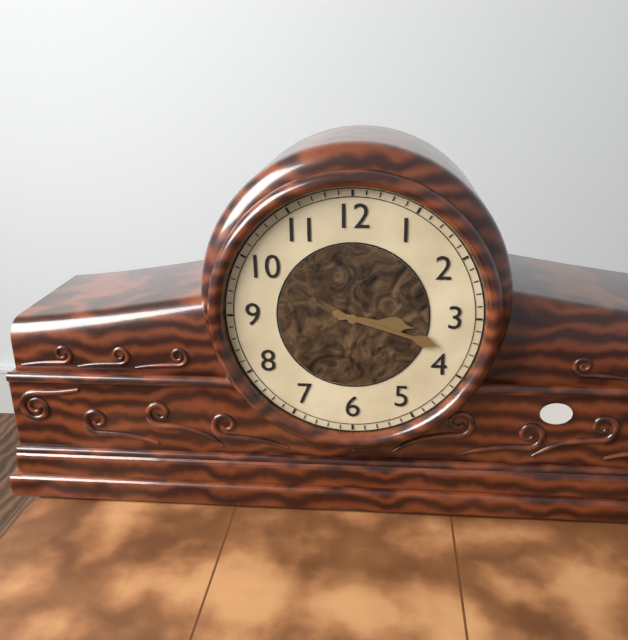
3:18
